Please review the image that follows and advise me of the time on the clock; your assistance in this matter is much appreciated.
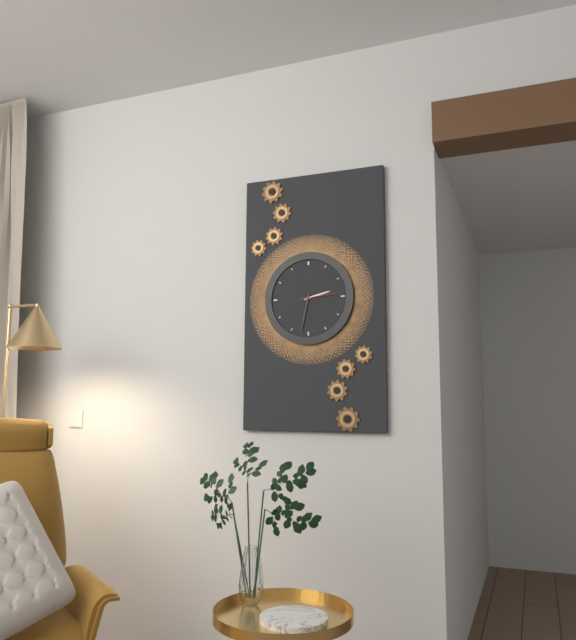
2:32
